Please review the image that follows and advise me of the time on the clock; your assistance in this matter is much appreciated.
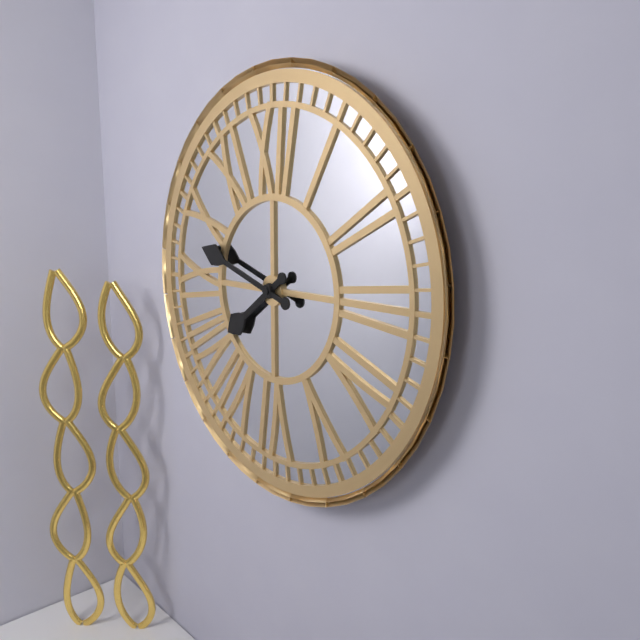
7:48
